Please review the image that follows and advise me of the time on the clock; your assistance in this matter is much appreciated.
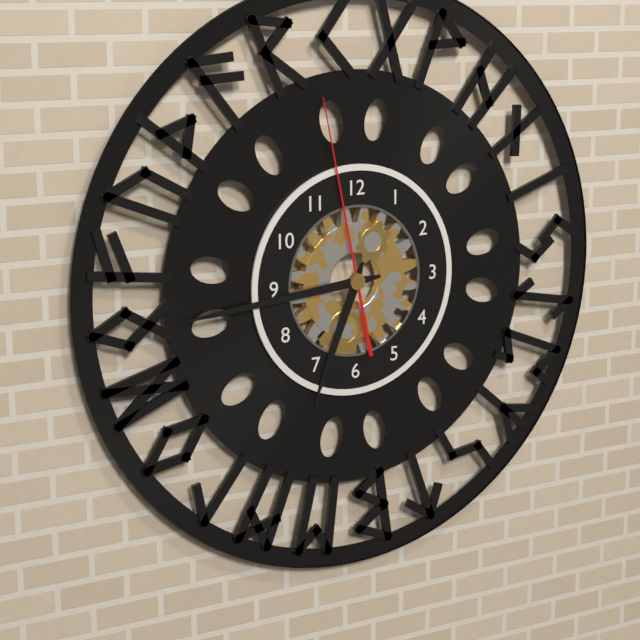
6:44:58
